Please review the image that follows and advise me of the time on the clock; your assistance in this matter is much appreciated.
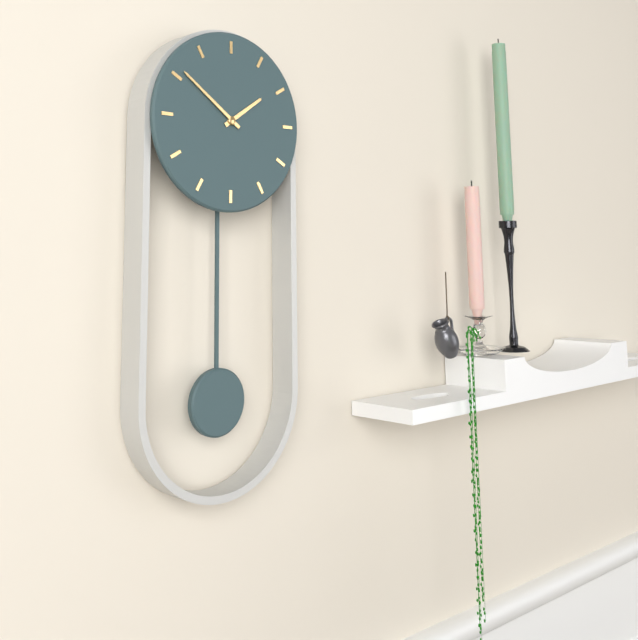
1:51
